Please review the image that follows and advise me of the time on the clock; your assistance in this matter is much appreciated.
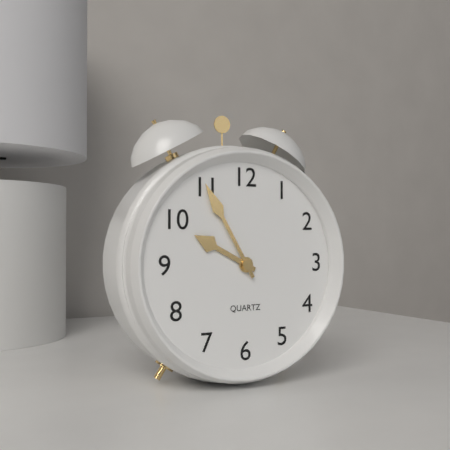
9:55
